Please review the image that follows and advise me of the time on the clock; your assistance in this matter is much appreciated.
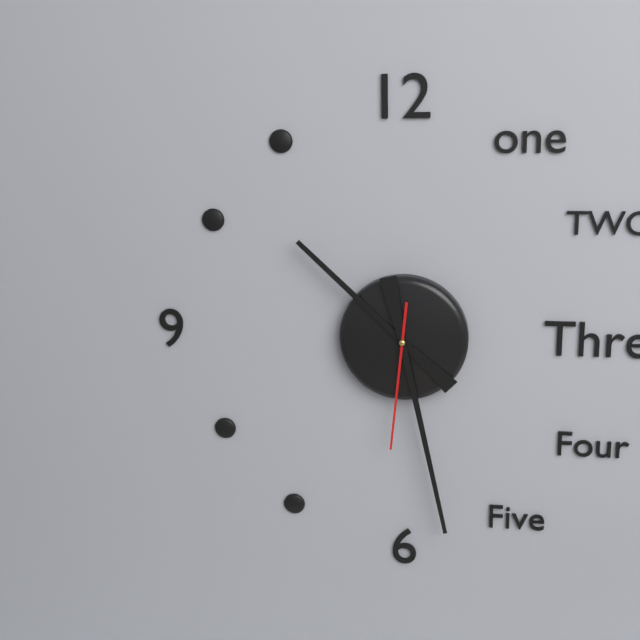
10:28:31
